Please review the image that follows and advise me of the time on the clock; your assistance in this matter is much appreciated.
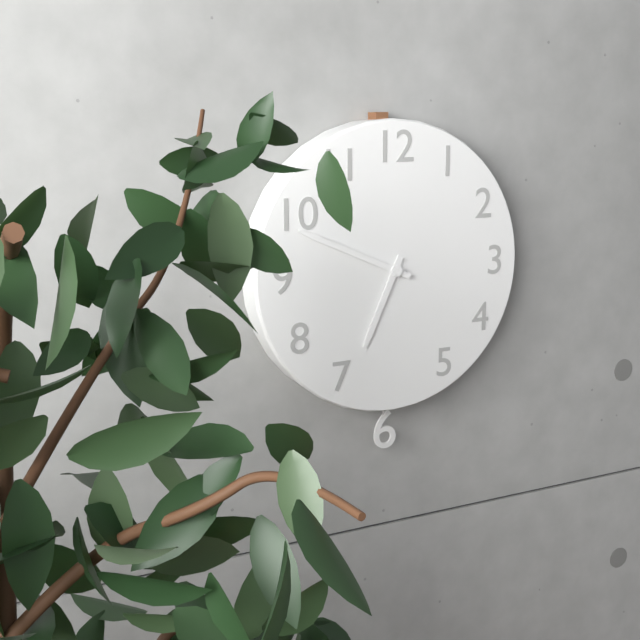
6:49
